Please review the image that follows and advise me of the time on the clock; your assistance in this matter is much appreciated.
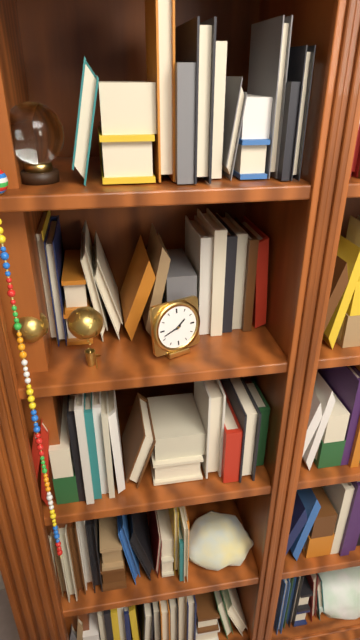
1:42
